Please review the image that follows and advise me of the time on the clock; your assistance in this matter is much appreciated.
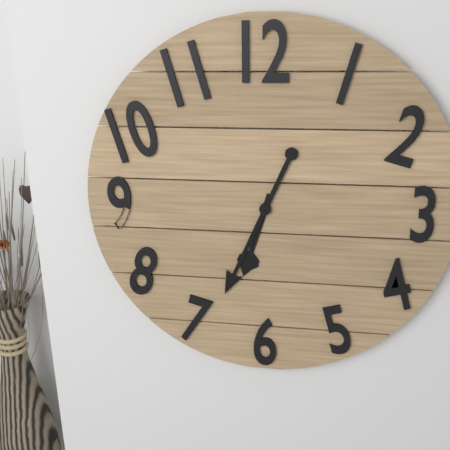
6:34
